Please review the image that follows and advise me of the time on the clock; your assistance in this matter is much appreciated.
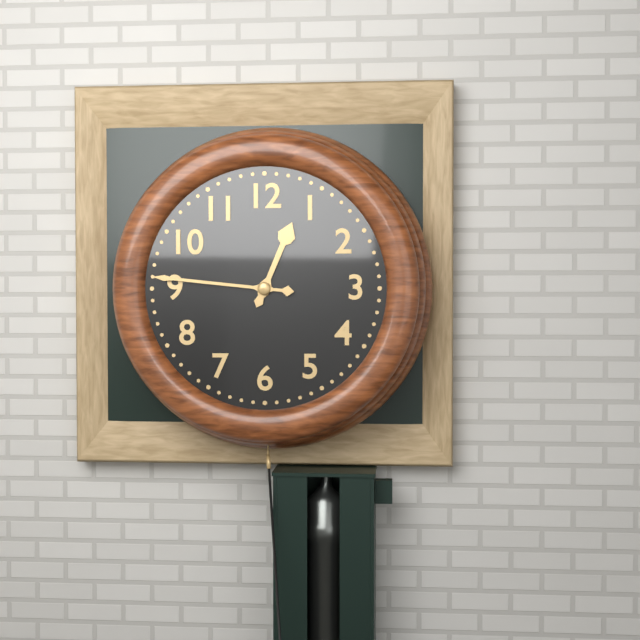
12:46
